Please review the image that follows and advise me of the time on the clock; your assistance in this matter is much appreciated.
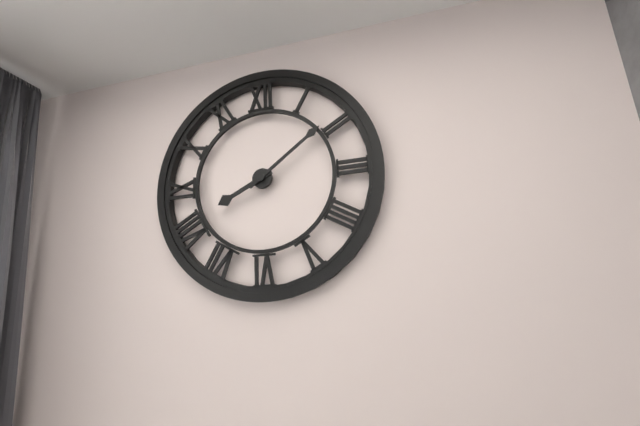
8:09
